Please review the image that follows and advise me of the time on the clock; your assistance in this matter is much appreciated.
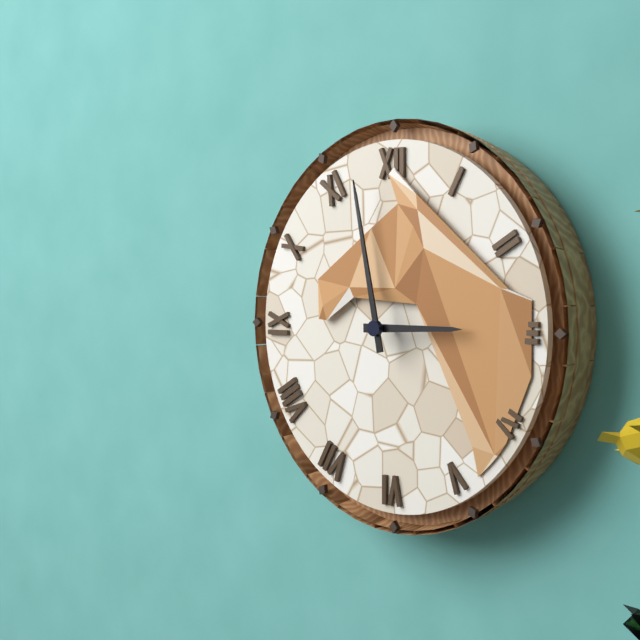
2:58
